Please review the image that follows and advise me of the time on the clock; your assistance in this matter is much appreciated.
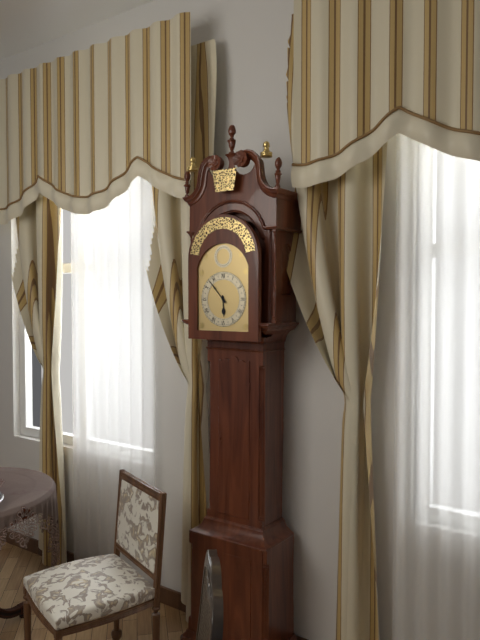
5:53
